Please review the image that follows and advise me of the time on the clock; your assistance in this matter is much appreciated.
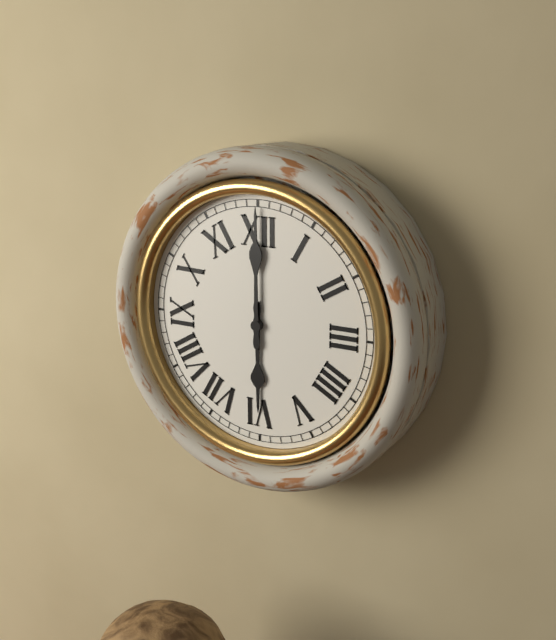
6:00
